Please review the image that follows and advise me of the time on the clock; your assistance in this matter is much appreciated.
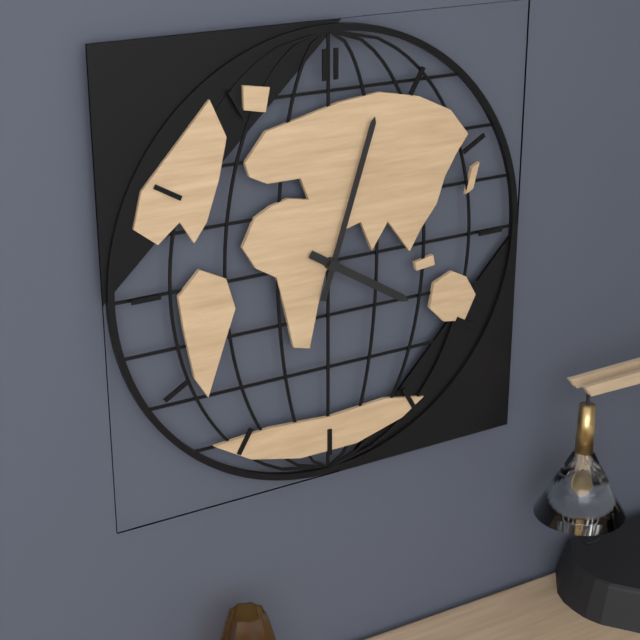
4:03
